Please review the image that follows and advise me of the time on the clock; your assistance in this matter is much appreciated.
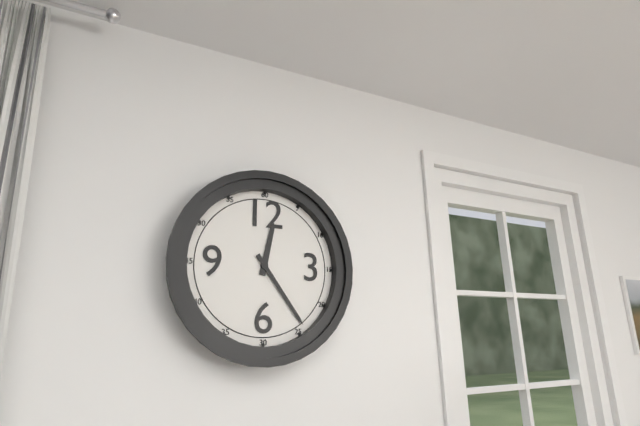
12:24
